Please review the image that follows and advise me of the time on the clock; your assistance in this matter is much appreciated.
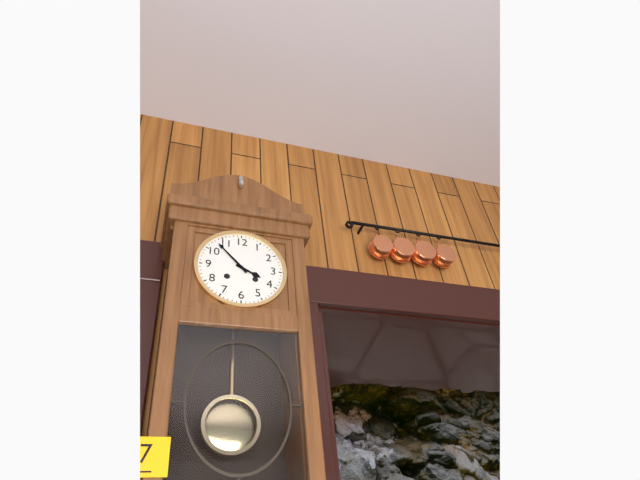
3:53
